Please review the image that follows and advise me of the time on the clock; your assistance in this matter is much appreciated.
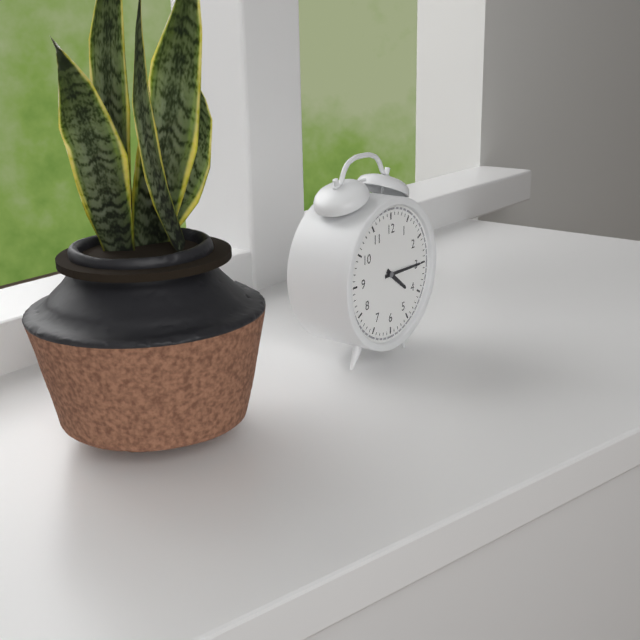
4:15
